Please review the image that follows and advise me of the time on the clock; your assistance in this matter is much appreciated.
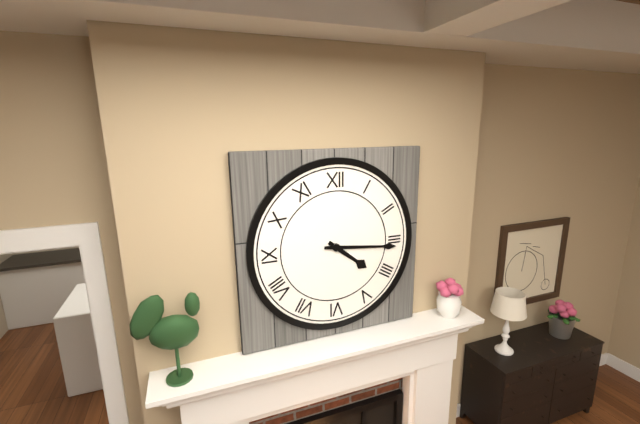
4:16
